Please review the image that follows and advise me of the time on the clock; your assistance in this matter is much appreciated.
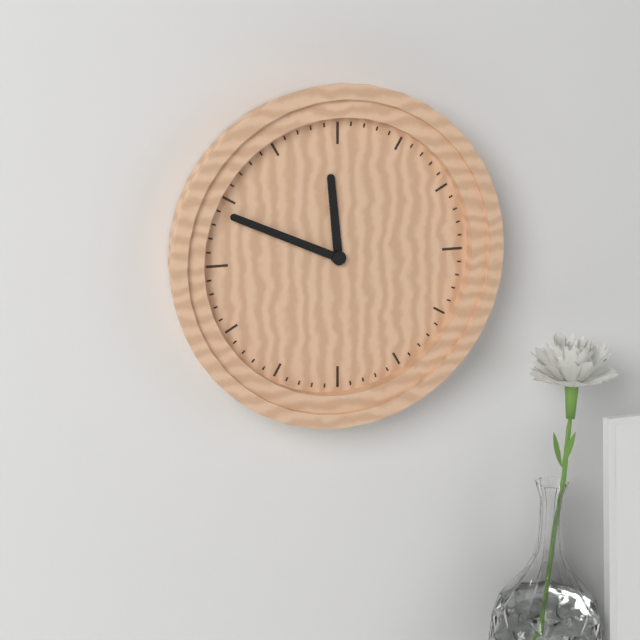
11:49
